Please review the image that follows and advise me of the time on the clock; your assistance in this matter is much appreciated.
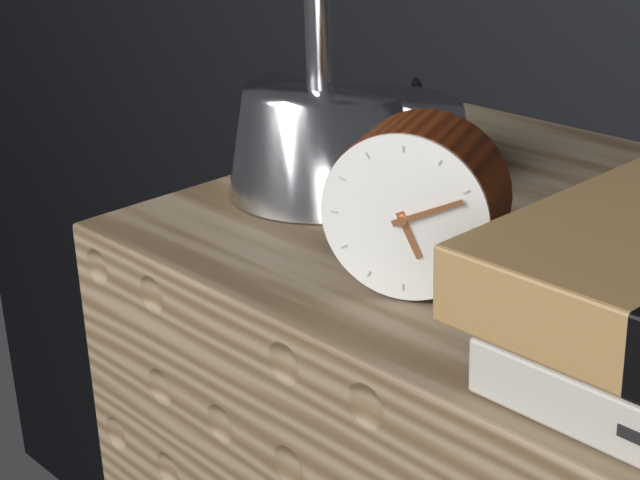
5:11
